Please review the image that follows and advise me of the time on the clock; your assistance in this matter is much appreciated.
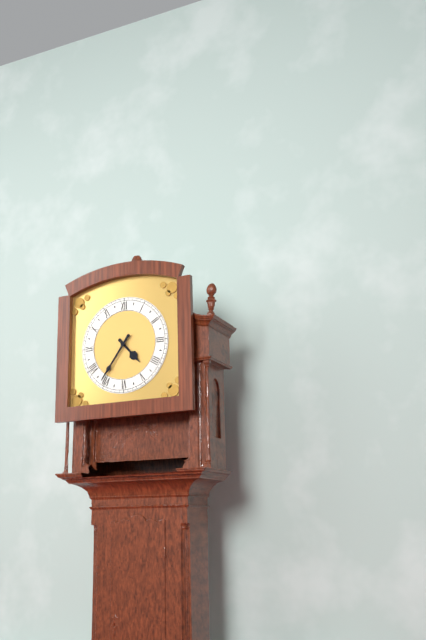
4:36
